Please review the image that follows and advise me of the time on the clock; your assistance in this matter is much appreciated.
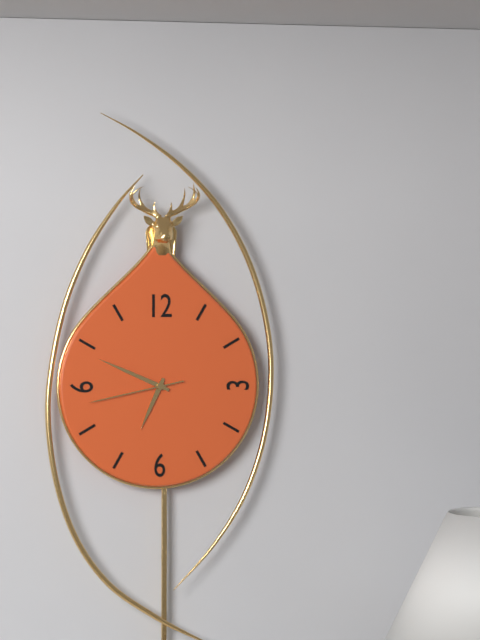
6:49:43
